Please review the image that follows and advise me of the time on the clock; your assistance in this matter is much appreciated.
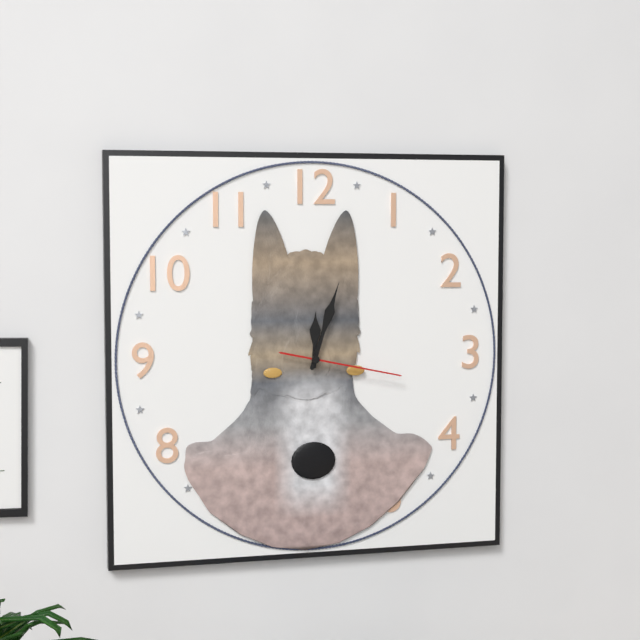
12:03:17
